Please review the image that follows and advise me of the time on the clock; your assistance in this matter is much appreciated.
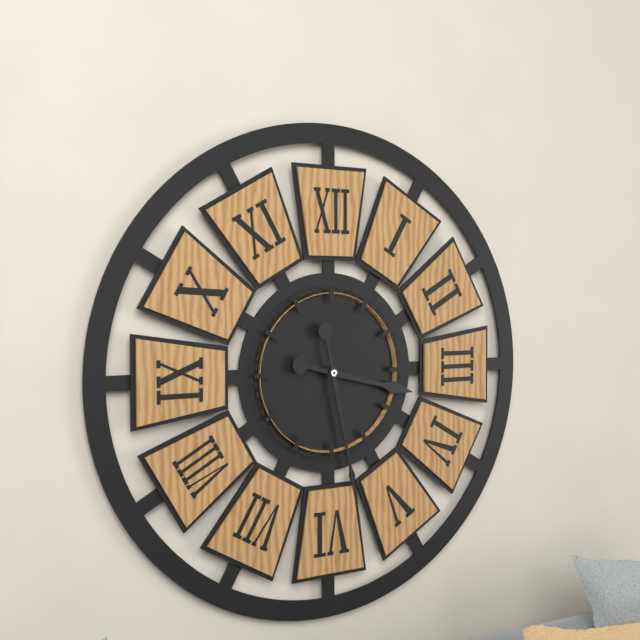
3:28
